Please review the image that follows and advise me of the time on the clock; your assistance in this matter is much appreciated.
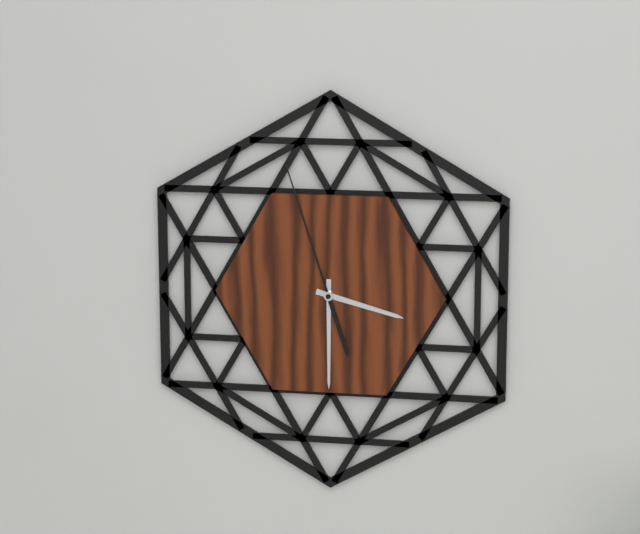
3:30:57
